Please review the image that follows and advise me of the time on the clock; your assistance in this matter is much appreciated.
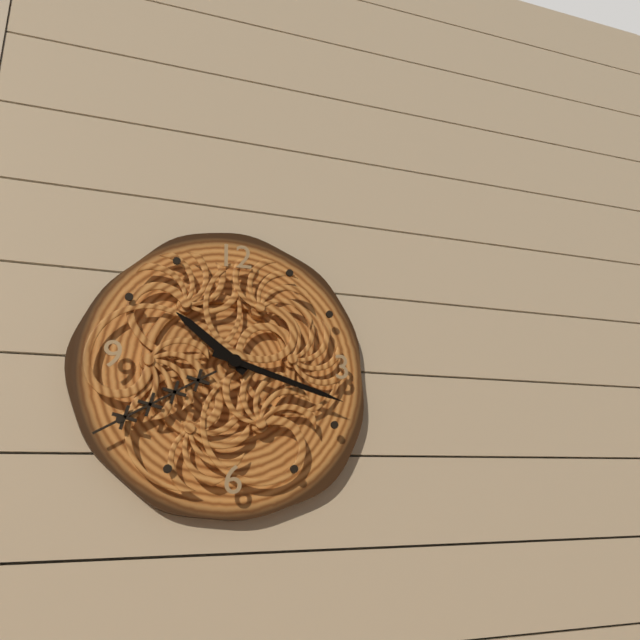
10:18
